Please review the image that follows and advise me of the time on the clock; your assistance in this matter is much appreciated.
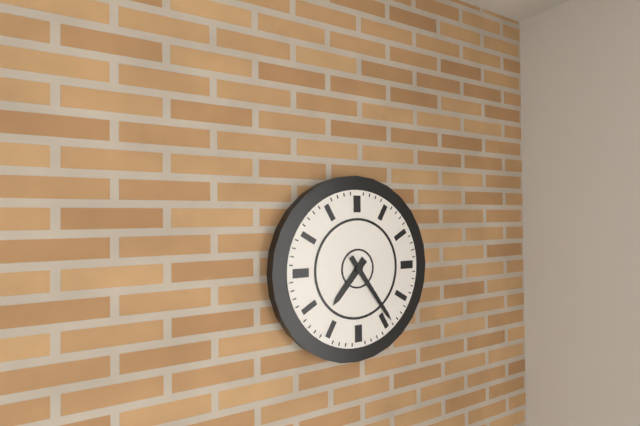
7:24
